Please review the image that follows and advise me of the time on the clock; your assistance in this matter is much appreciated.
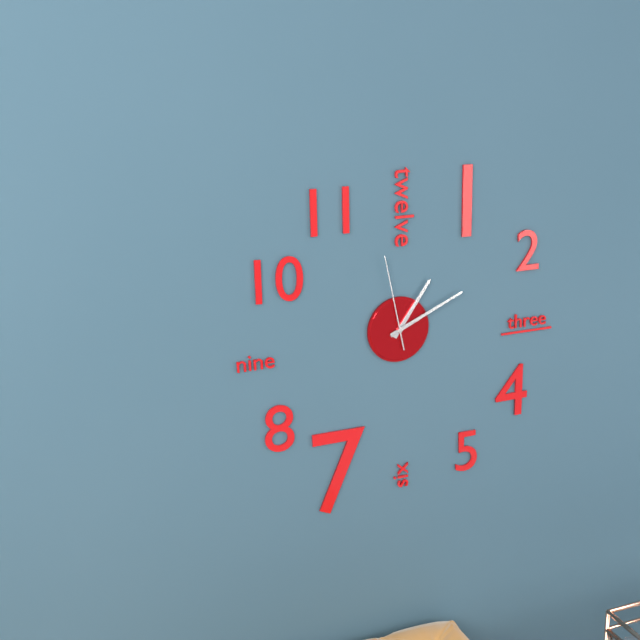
1:11:58
